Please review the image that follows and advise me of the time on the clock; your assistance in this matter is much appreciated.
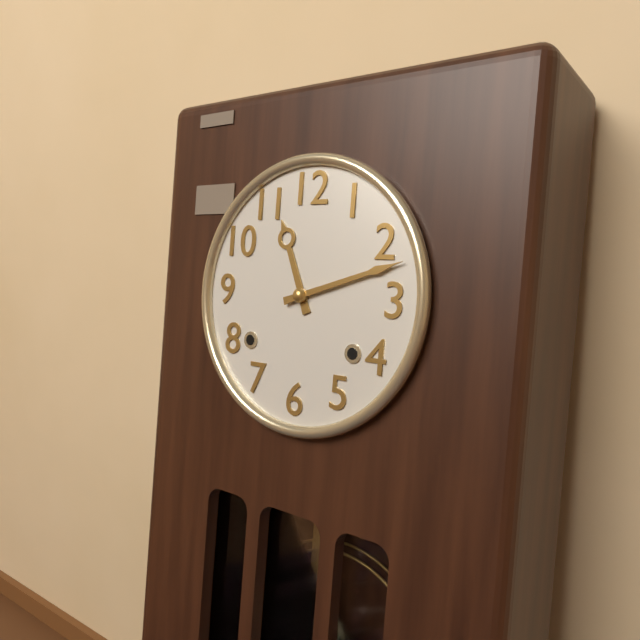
11:12
